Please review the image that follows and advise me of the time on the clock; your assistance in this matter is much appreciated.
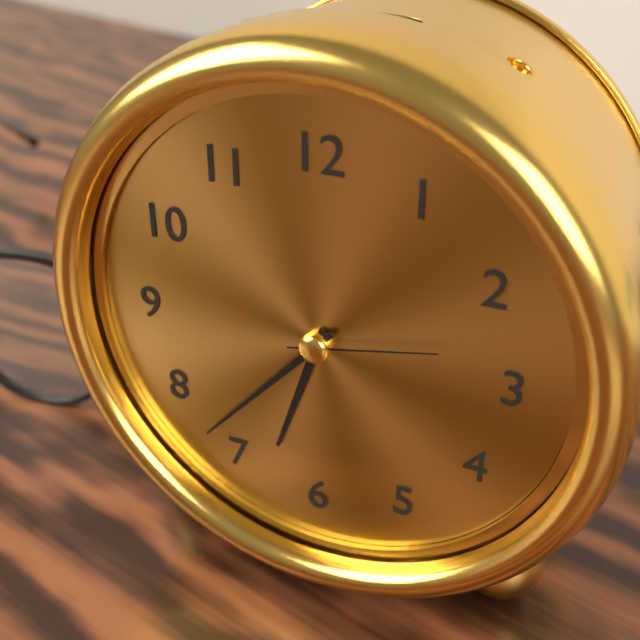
6:37:13
